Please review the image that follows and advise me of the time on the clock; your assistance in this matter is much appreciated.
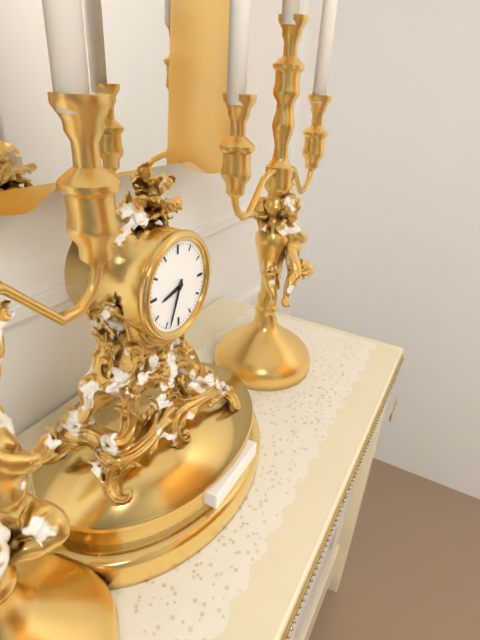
8:34
